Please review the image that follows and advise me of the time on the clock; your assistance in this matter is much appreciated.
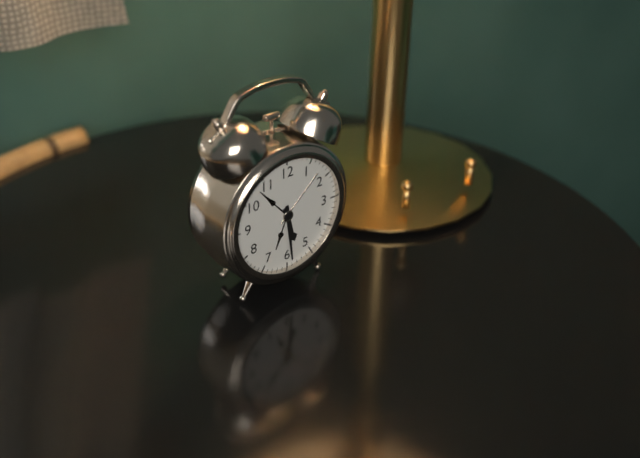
5:29
